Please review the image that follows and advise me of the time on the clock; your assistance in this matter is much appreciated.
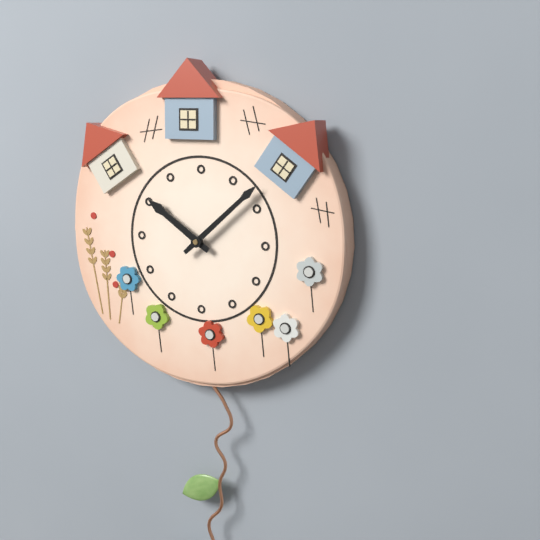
10:08
